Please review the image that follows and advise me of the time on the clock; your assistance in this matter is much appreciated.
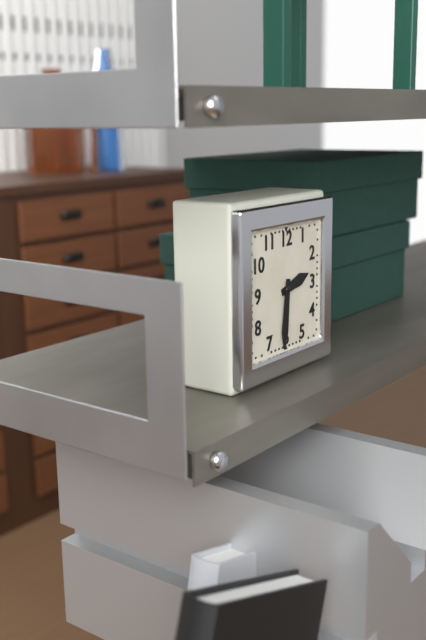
2:31
